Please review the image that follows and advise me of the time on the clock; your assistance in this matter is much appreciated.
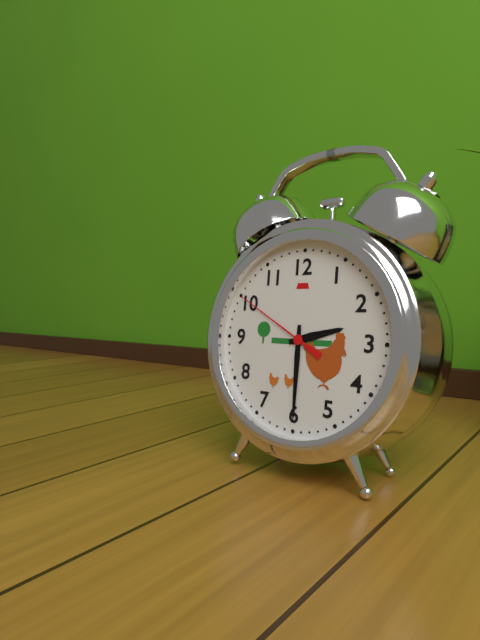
2:30:50
